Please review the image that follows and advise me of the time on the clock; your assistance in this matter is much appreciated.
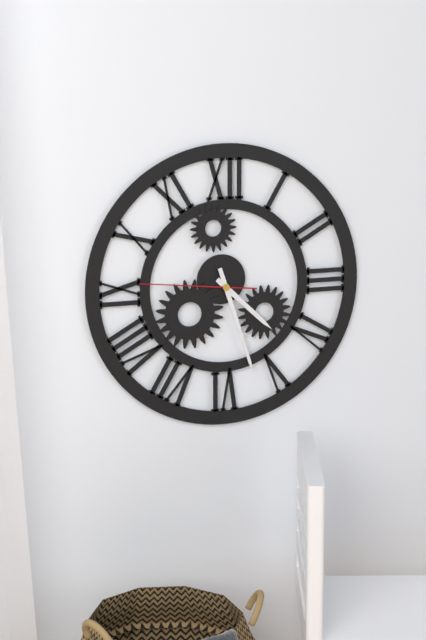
4:27:46
